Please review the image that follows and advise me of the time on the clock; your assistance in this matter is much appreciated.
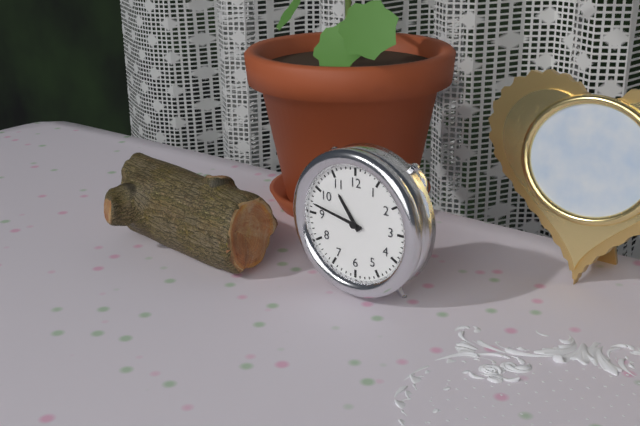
10:47
